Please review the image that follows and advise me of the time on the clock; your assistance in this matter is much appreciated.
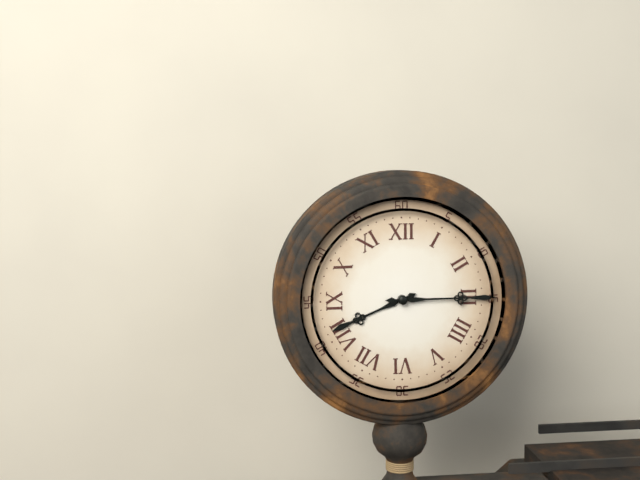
8:15
